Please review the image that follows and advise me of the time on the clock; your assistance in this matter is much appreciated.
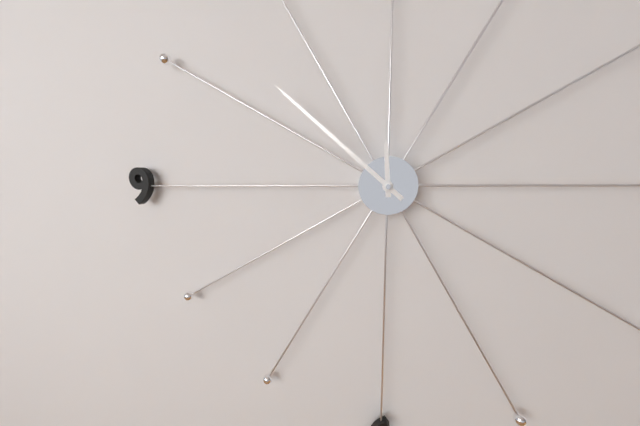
11:52
